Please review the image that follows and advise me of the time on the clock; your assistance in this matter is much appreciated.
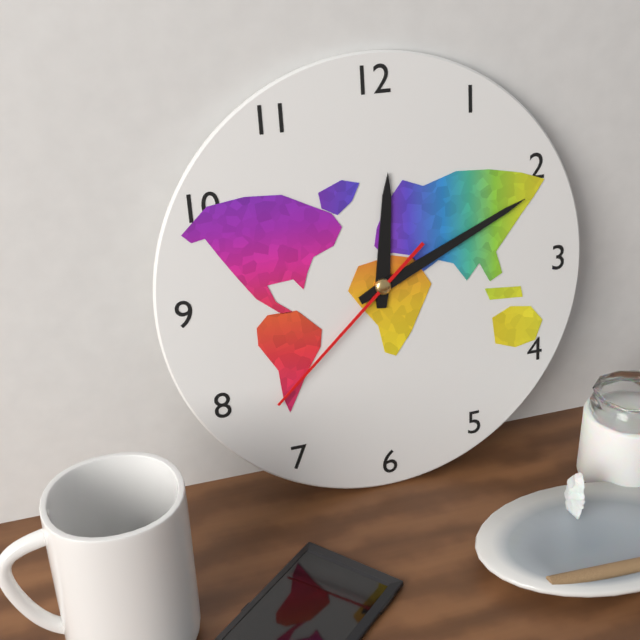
12:11:38
